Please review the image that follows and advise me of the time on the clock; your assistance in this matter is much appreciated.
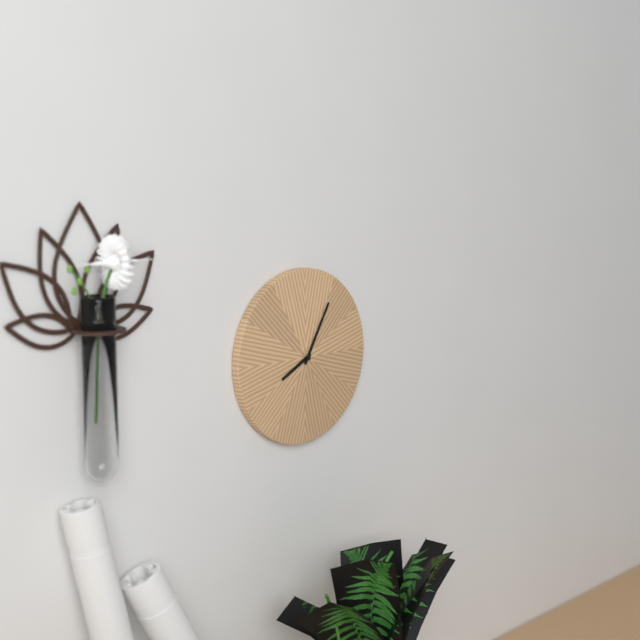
8:05
